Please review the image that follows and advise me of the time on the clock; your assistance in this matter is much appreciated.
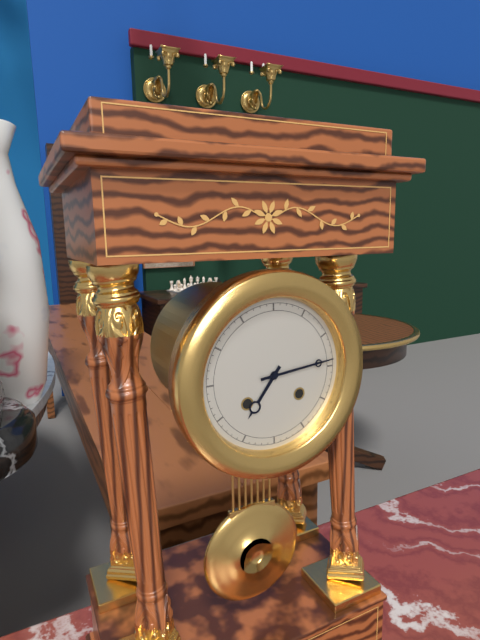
7:14
